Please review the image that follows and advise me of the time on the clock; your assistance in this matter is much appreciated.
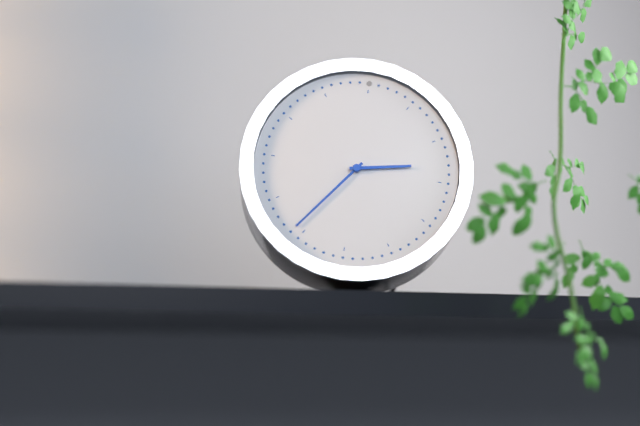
2:36
